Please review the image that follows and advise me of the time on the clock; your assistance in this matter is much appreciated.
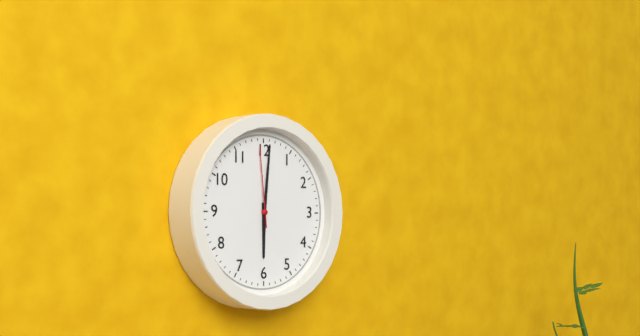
6:01:59
